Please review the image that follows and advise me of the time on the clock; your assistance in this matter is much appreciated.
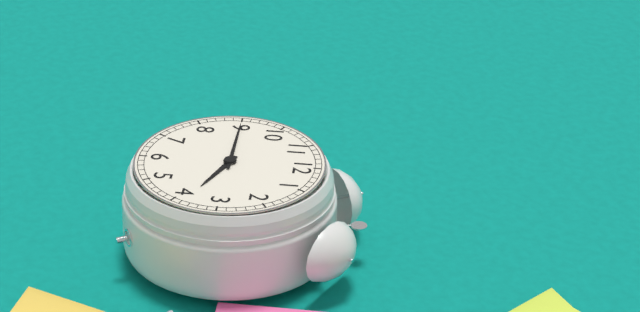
3:45
